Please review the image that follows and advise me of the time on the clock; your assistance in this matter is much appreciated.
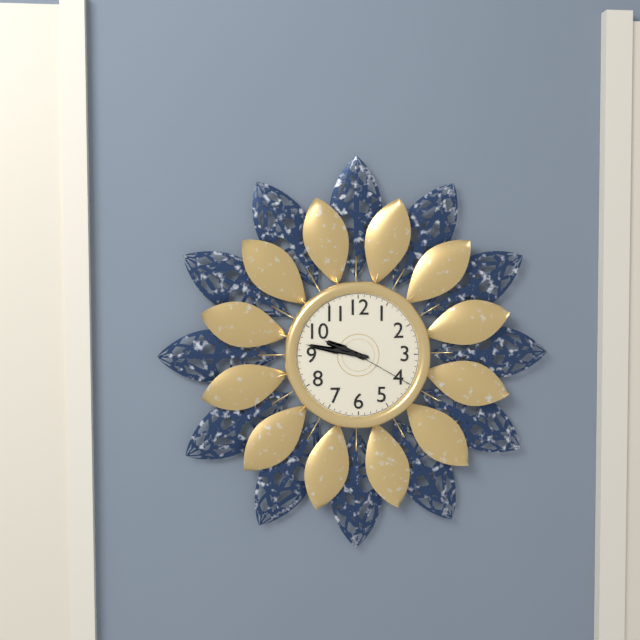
9:47:20
